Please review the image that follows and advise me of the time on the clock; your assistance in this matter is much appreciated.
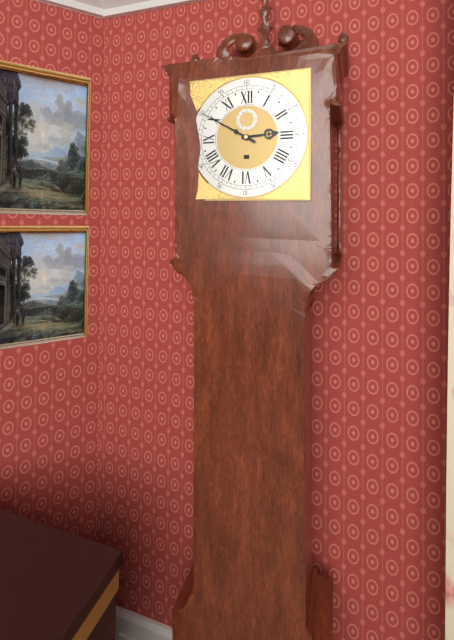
2:50
